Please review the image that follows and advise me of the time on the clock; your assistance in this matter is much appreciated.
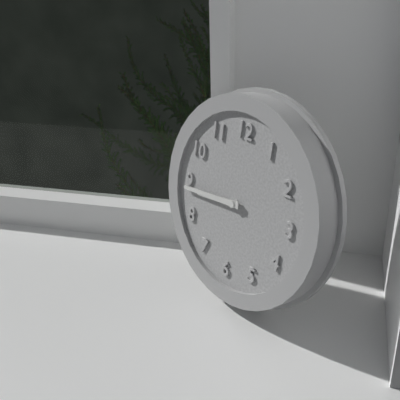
8:44
